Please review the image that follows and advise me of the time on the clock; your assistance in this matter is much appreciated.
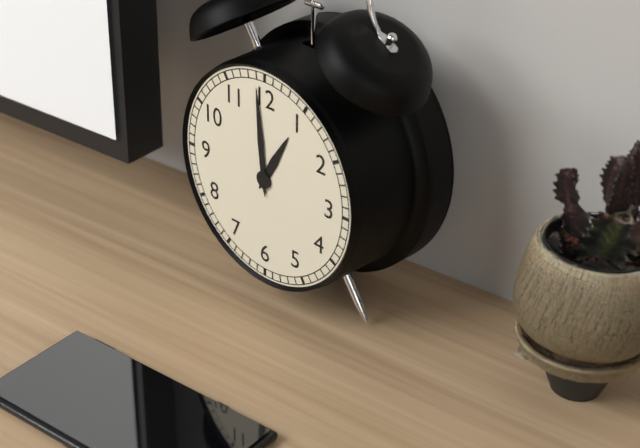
12:59
